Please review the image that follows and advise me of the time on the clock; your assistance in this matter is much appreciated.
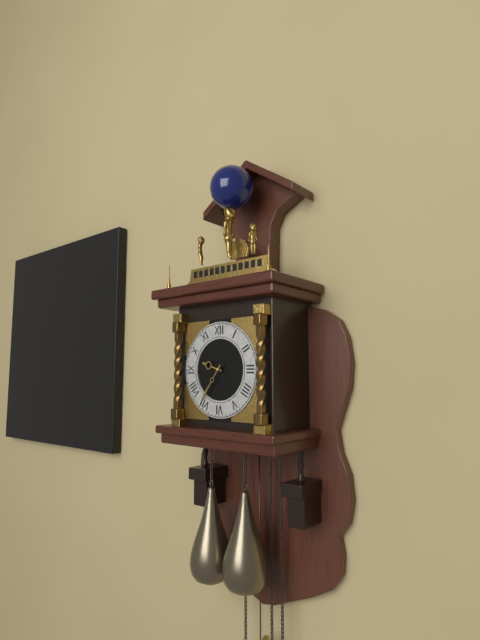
9:36
